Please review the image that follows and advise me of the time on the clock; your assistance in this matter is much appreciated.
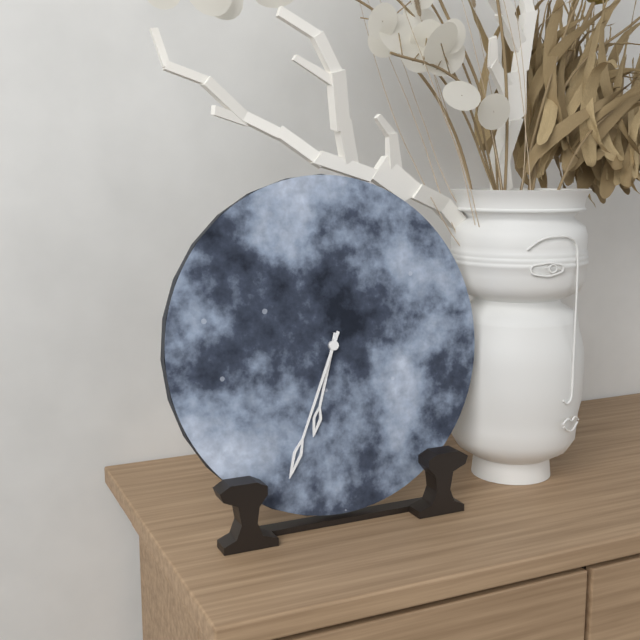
6:34
